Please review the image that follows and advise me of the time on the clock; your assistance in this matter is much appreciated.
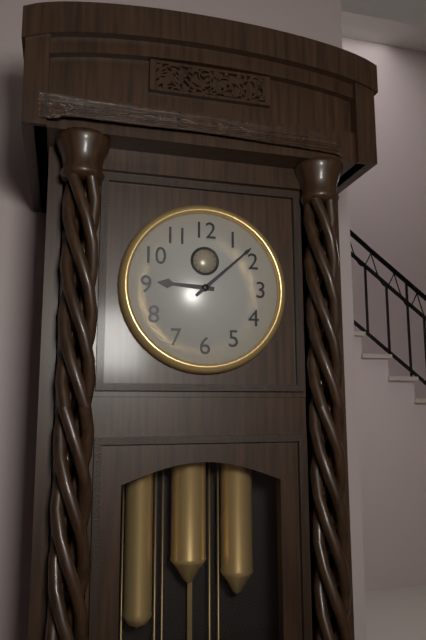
9:08
